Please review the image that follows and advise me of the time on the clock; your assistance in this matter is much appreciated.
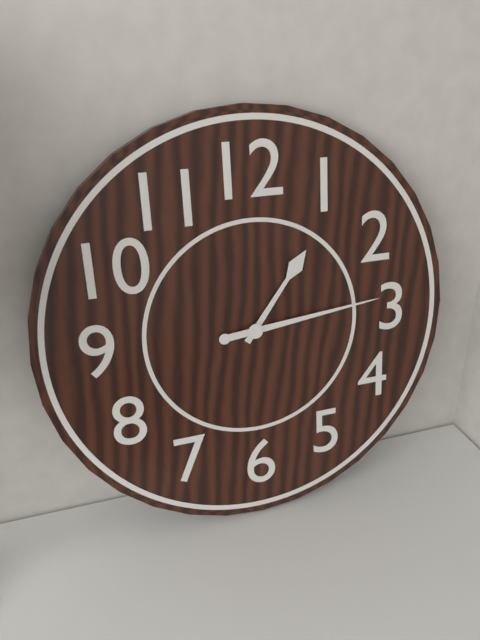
1:14
